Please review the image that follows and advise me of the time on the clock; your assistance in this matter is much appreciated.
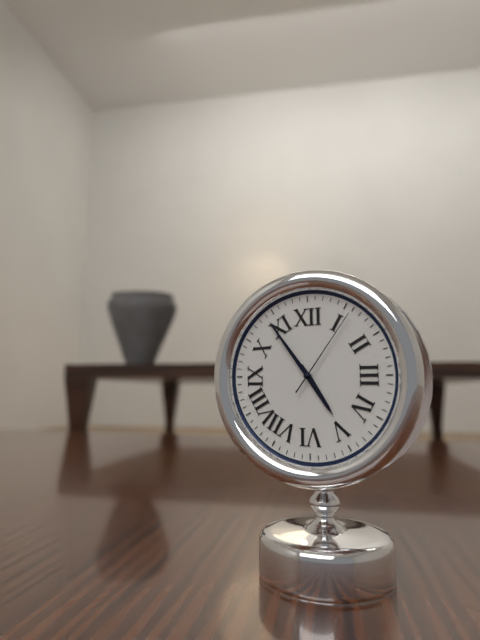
4:54:06
